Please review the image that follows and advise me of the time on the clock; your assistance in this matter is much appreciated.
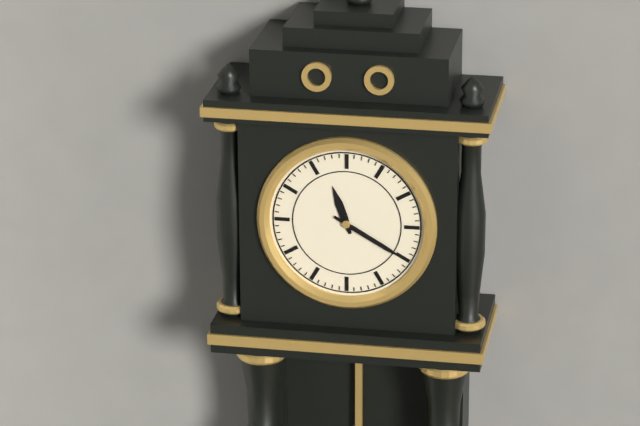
11:20
